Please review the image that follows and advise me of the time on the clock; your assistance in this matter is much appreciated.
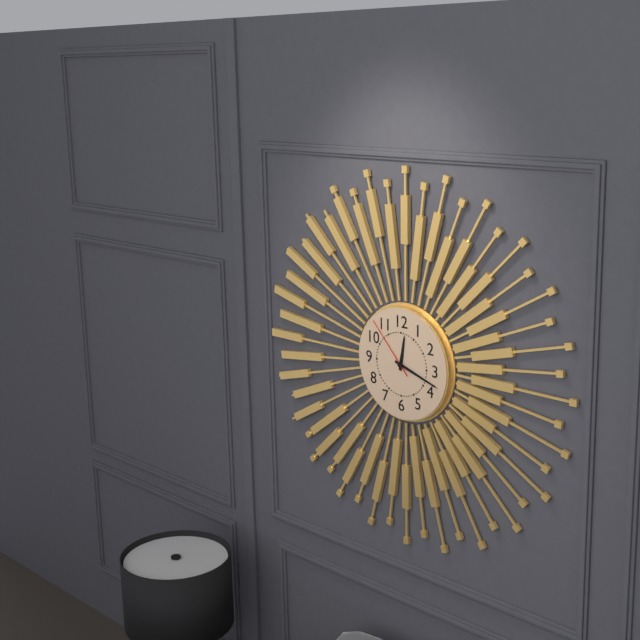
12:18:53
